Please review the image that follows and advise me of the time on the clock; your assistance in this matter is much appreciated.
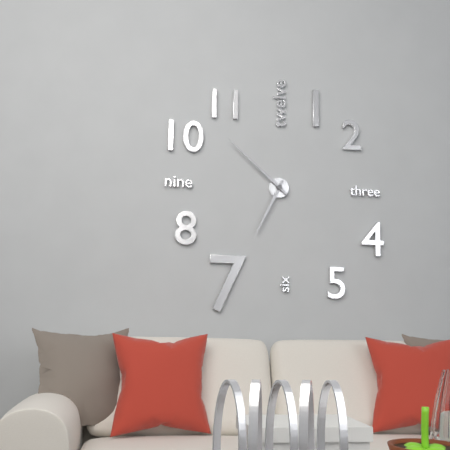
6:52
